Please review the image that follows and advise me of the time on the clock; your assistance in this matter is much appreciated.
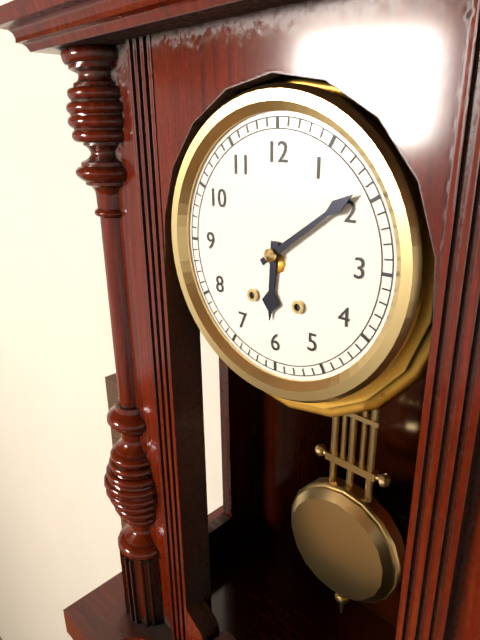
6:09
